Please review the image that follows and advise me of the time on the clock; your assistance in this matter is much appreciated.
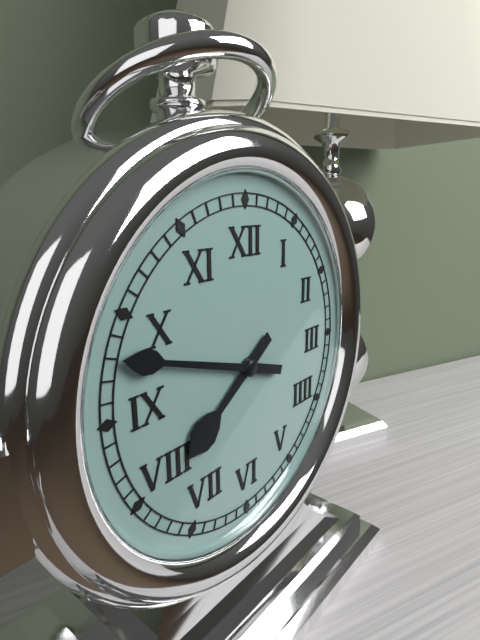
7:48
